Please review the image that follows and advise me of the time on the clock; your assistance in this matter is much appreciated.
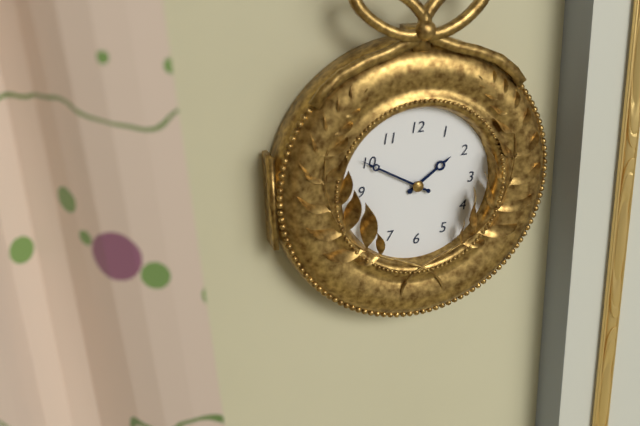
1:50
